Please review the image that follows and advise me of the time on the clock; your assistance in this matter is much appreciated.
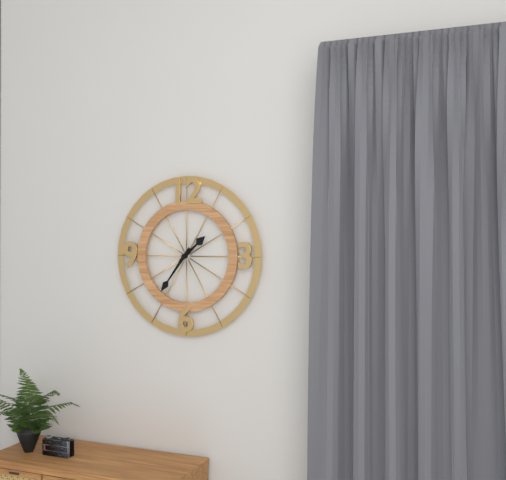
1:36
